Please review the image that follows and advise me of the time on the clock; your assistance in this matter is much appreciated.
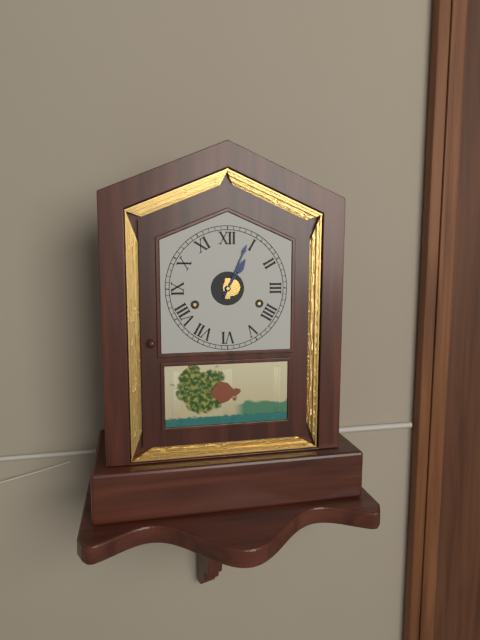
1:04
